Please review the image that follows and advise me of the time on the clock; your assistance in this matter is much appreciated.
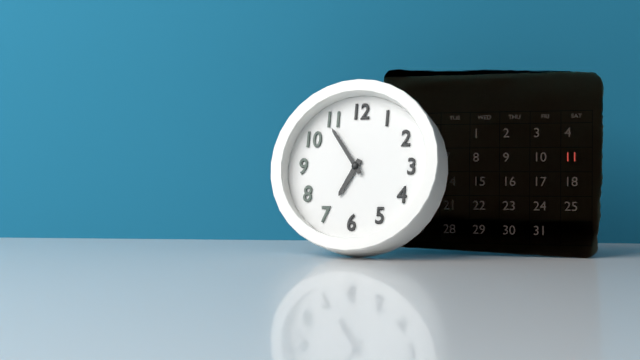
6:54
